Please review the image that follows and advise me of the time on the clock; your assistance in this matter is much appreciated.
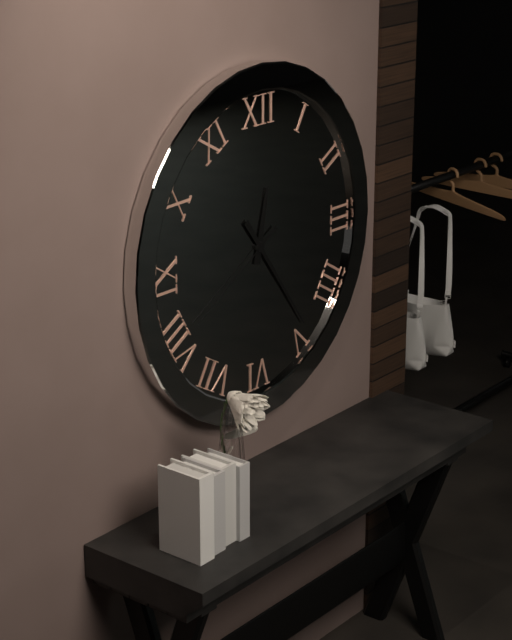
12:24:40
